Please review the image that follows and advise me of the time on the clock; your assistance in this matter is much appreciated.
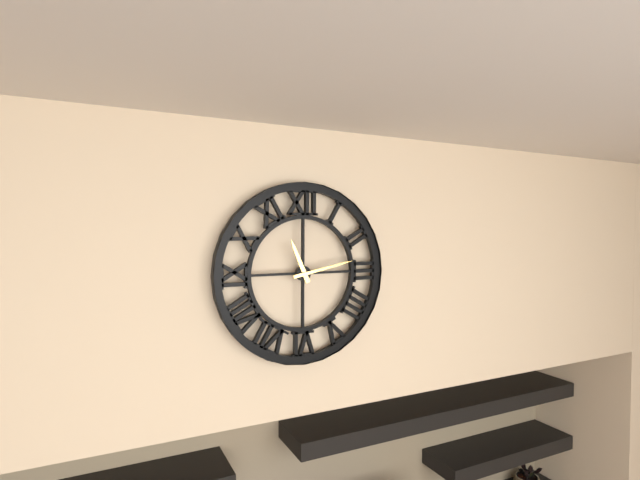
11:13
